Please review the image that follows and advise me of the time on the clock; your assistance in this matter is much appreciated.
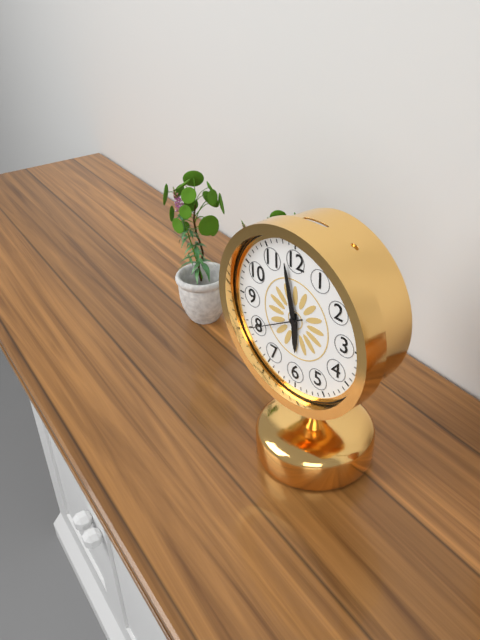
5:58:40
